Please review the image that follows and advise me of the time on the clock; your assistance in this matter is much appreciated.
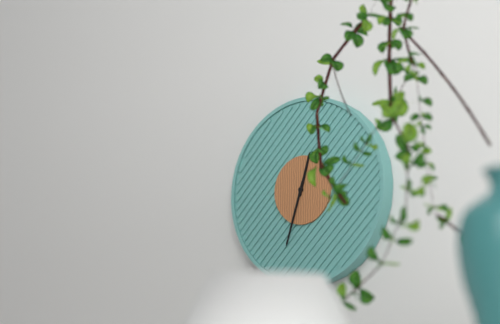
12:33
